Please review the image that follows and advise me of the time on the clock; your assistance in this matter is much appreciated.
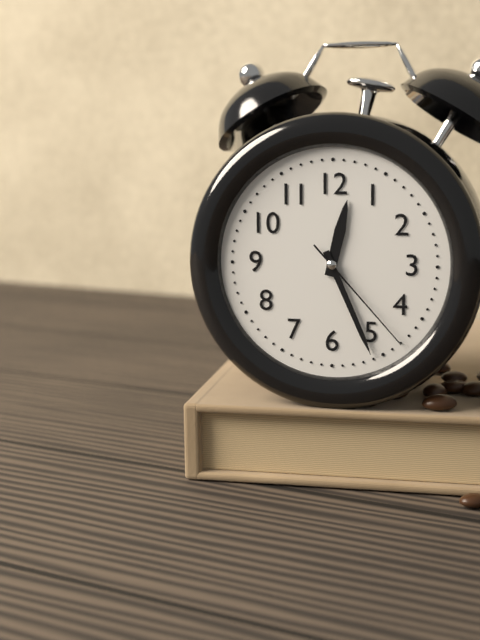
12:26:23
